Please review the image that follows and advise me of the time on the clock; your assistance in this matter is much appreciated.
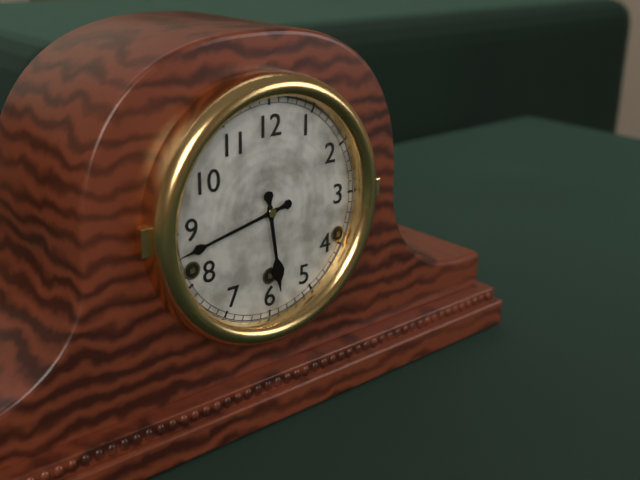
5:43
